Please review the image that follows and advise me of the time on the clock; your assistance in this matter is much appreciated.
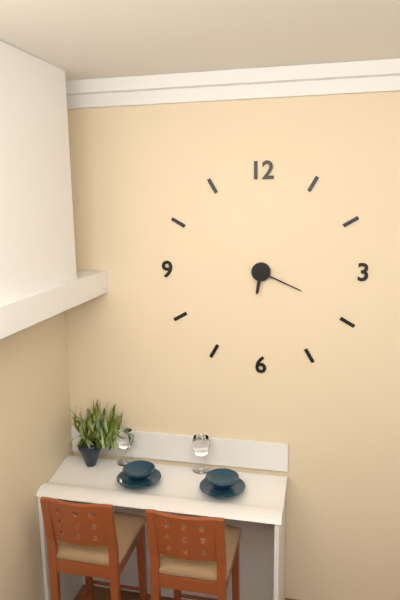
6:19
